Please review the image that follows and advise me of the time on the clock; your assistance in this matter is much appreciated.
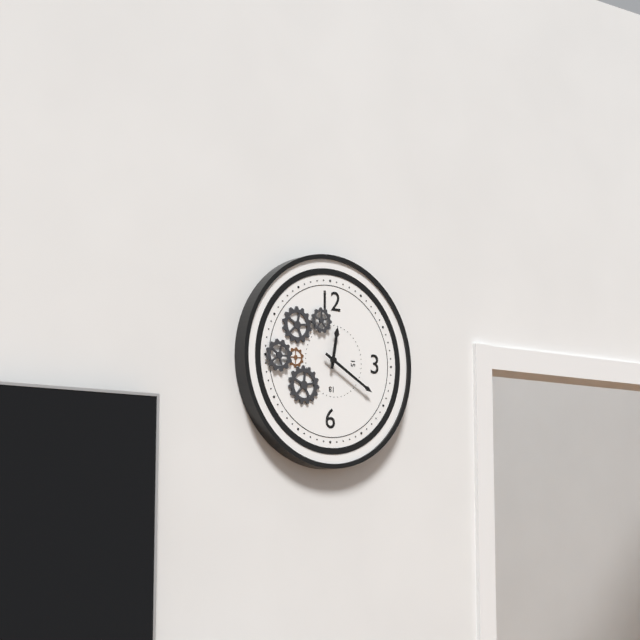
12:20
